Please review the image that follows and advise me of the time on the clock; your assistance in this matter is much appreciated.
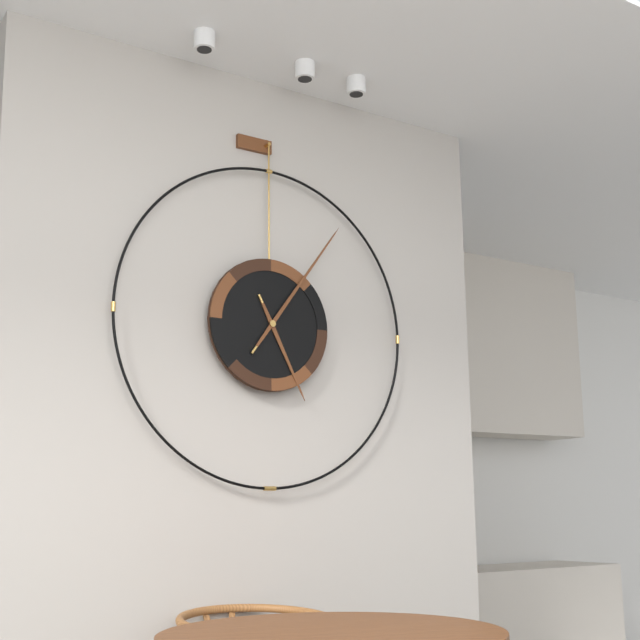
5:06
